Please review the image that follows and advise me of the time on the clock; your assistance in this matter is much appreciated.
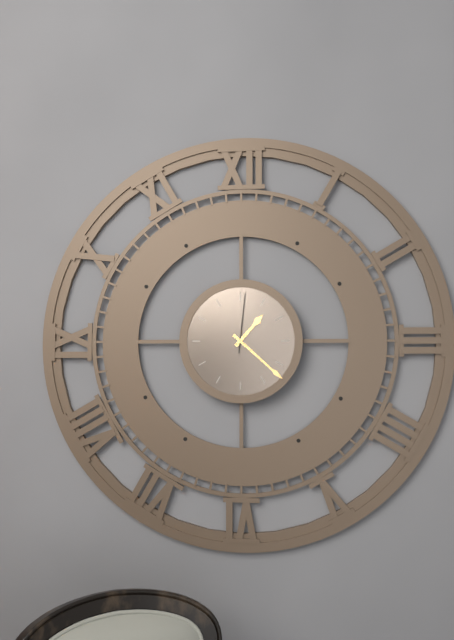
1:22:01
